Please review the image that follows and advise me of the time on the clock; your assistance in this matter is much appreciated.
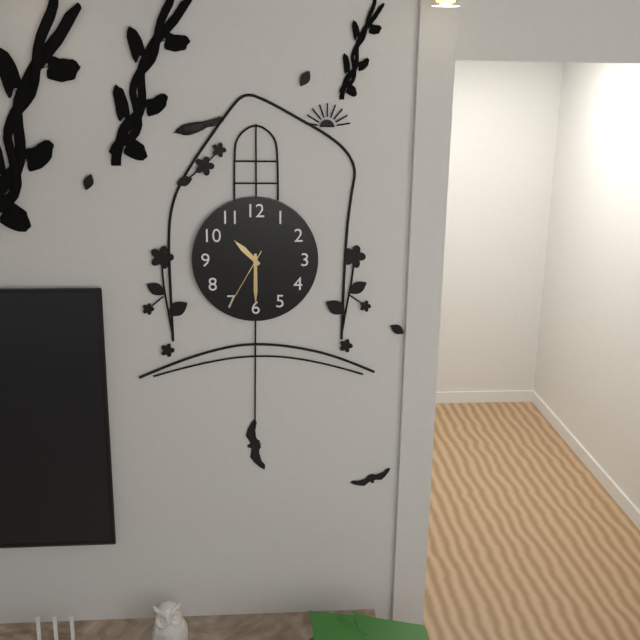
10:30:35
